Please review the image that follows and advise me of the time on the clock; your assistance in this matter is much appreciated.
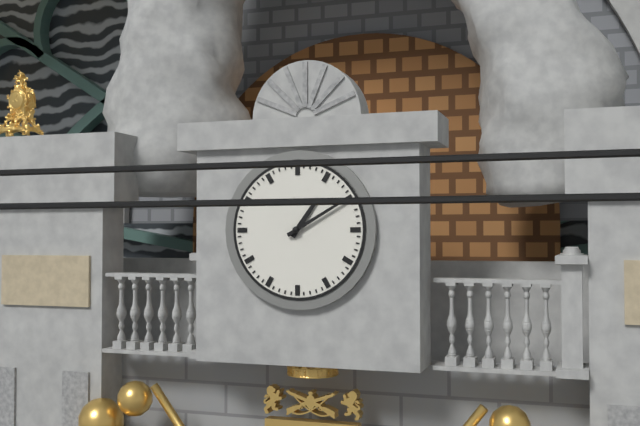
1:10
